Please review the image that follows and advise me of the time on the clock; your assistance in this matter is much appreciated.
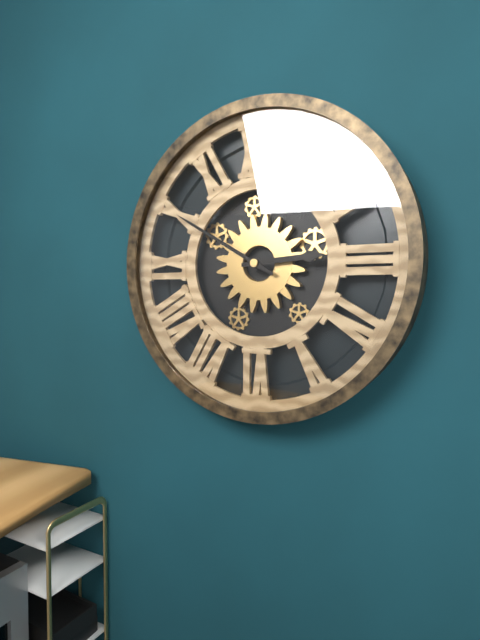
2:50
